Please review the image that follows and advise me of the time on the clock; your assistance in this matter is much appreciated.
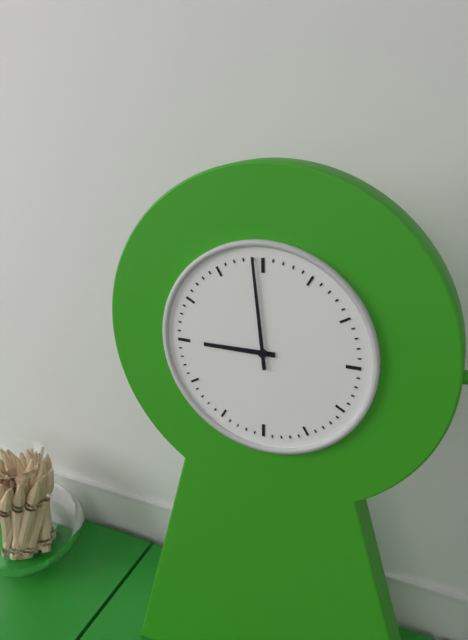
8:59
